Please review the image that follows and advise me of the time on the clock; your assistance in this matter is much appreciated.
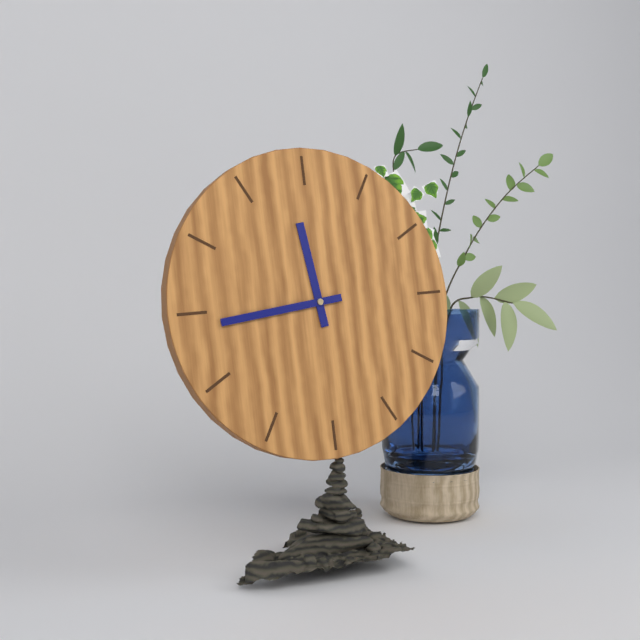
11:44
